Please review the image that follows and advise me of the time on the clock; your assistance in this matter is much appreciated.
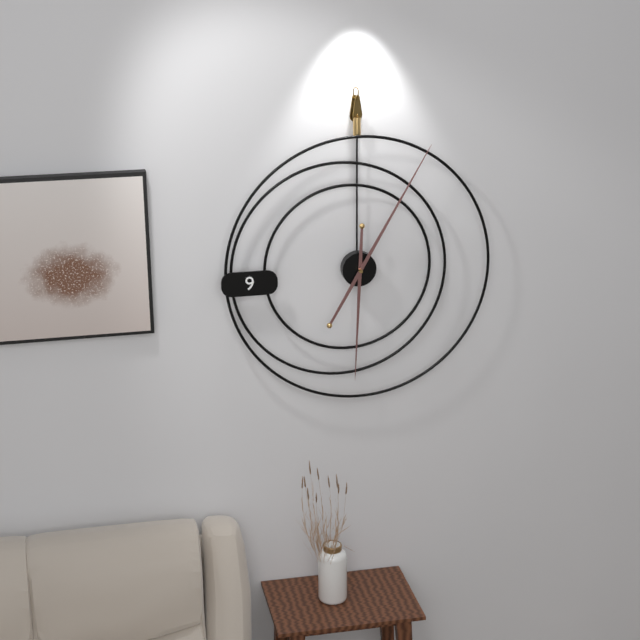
6:05
